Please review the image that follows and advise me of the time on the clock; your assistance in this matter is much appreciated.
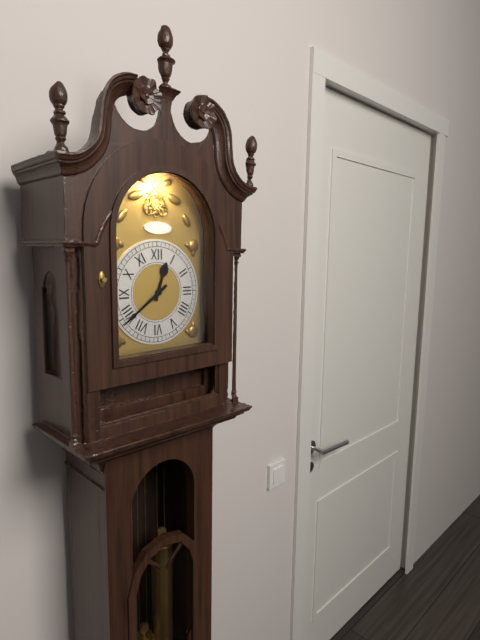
12:39
